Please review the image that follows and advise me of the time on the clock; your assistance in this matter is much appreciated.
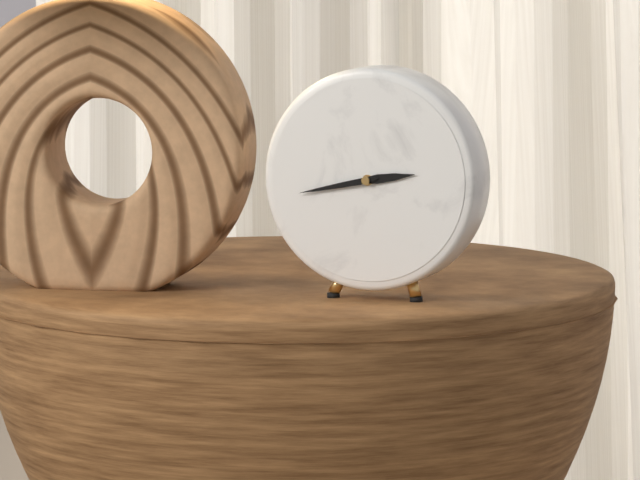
2:43
